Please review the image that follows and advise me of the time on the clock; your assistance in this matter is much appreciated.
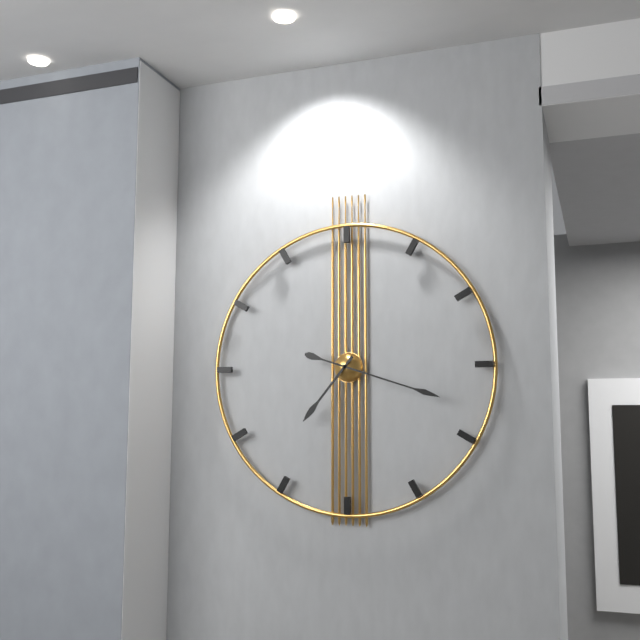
7:18
